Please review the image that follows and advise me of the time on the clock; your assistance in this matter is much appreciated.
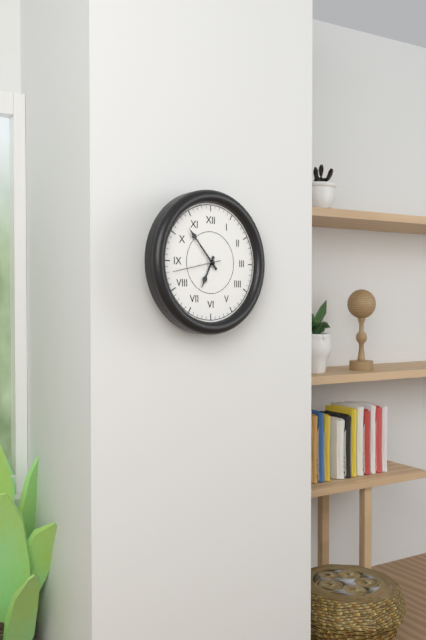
6:53
